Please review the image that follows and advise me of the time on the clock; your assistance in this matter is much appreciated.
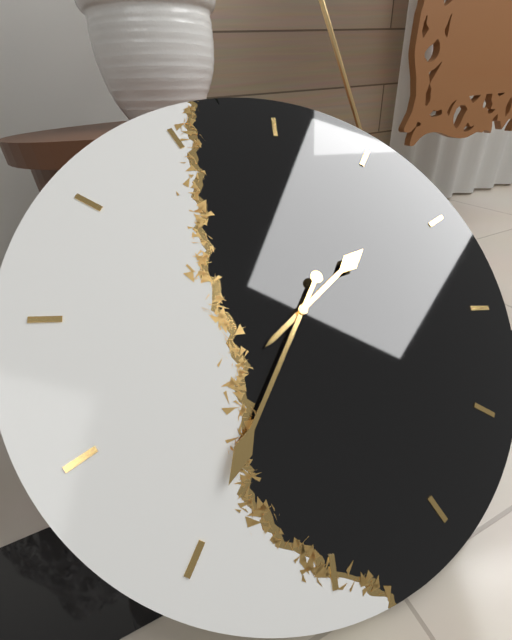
2:40
